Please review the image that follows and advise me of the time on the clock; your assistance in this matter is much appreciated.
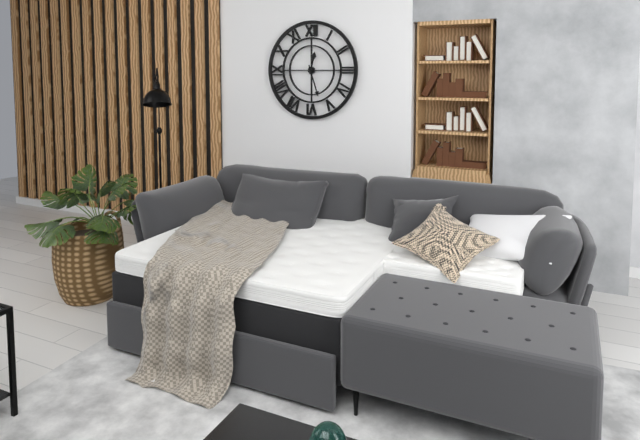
12:27
